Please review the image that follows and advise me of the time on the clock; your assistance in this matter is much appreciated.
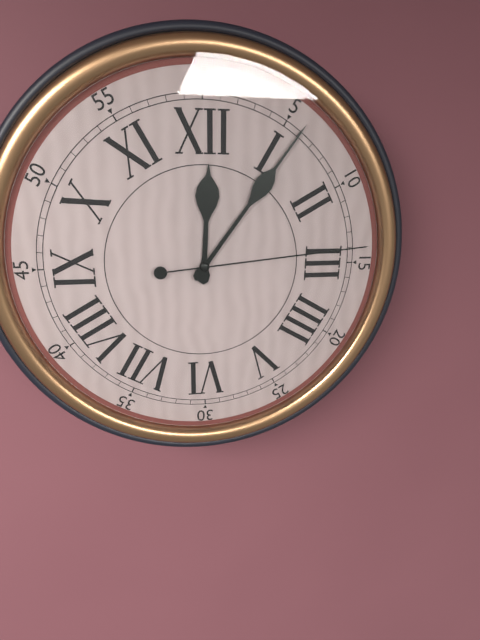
12:06:14
